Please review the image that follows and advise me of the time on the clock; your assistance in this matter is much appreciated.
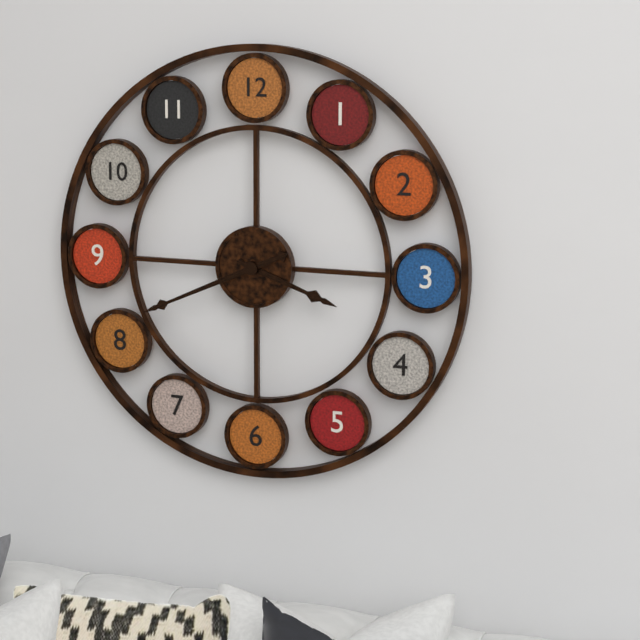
3:41
